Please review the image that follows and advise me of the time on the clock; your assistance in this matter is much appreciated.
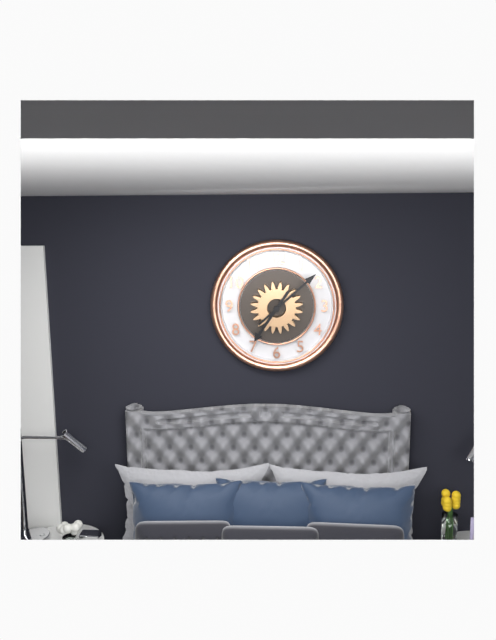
7:08
